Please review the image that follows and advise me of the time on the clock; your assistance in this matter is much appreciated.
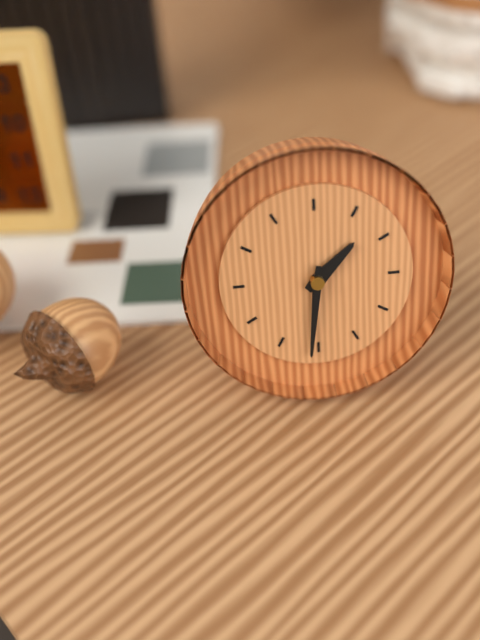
1:31
